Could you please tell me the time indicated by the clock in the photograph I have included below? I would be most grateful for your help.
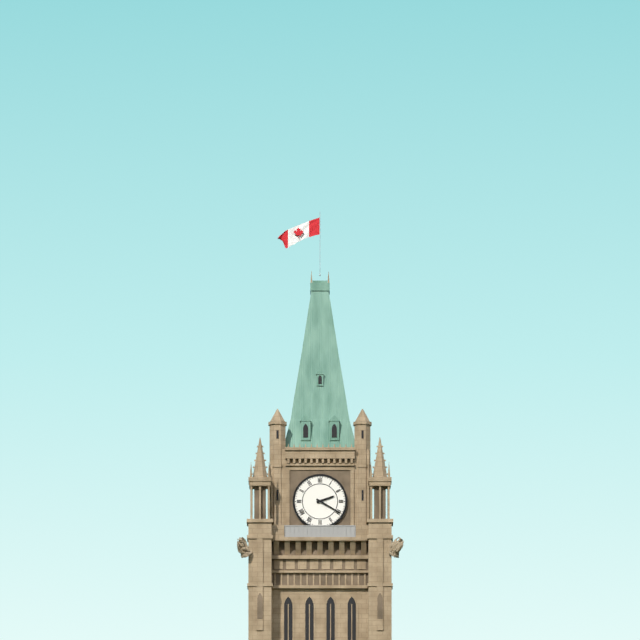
2:20
